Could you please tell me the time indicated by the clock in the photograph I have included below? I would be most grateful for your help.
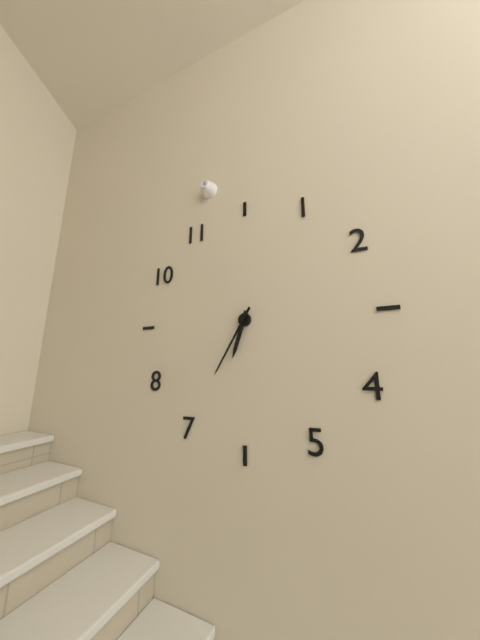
6:35
